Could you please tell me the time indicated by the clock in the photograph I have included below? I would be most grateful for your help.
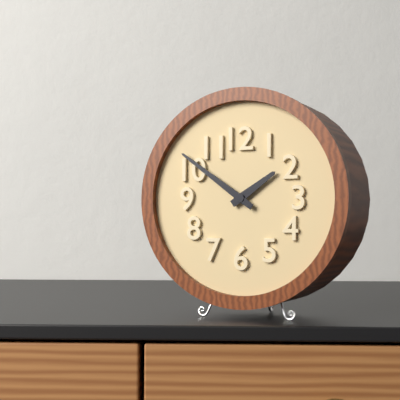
1:51
